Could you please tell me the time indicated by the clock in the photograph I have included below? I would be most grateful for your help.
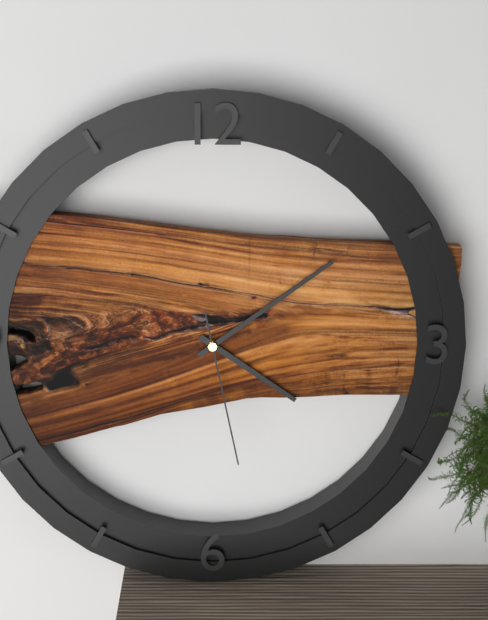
4:09:28
